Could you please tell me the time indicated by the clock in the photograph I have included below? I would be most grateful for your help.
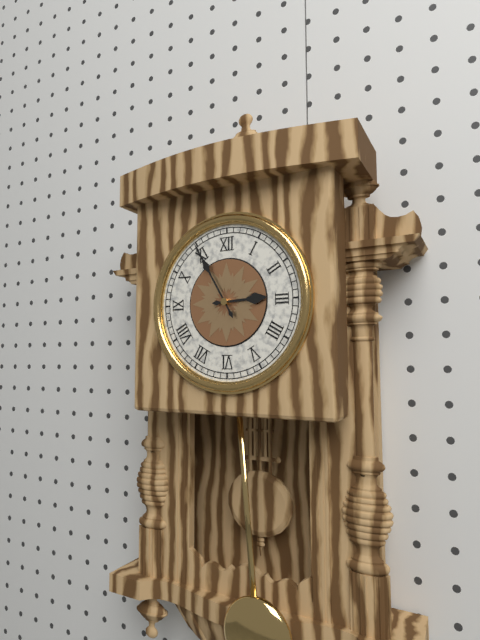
2:55
